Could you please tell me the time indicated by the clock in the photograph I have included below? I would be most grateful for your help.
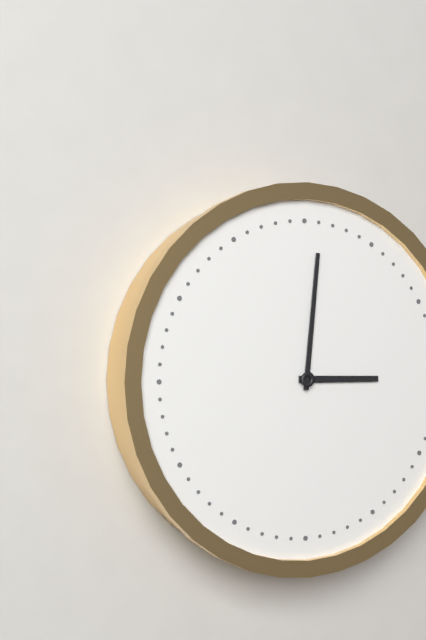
3:01
